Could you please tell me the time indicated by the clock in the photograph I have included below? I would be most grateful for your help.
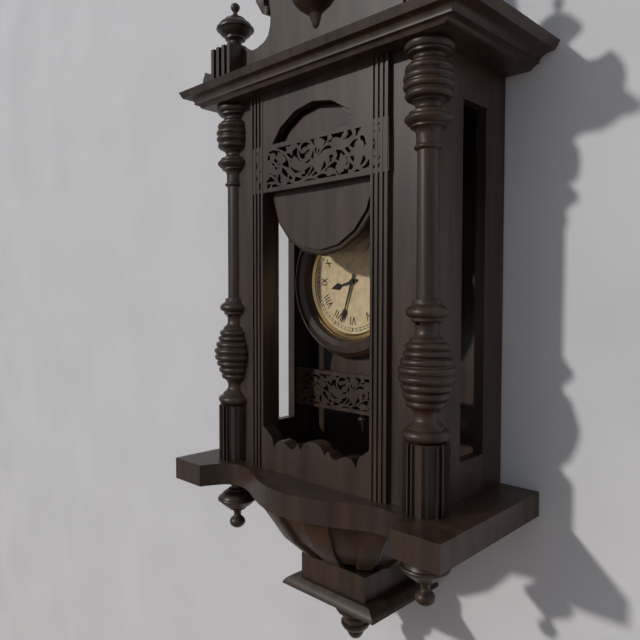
8:33
